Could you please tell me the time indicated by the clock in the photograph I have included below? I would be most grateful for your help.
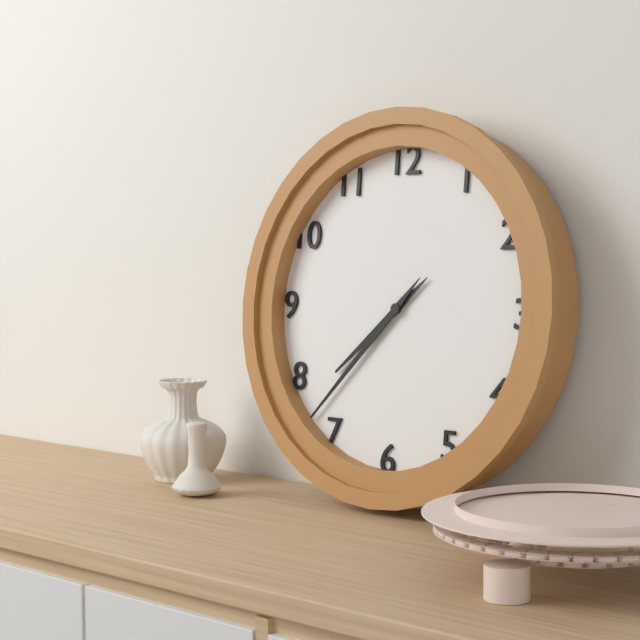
7:37
